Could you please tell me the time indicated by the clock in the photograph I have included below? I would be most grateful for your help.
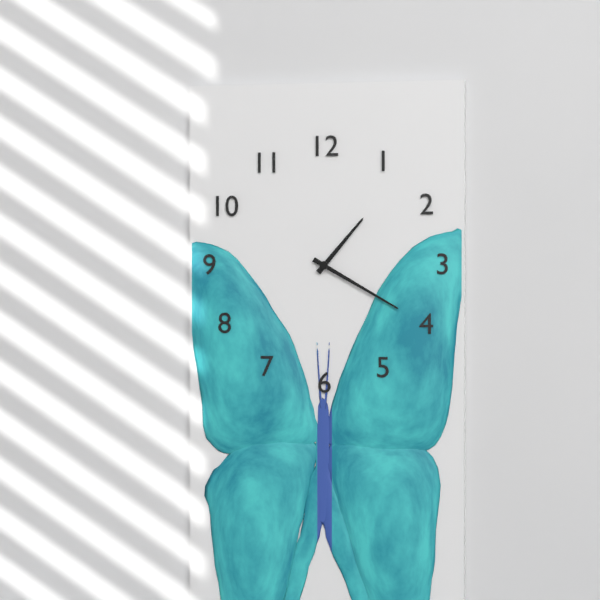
1:20
